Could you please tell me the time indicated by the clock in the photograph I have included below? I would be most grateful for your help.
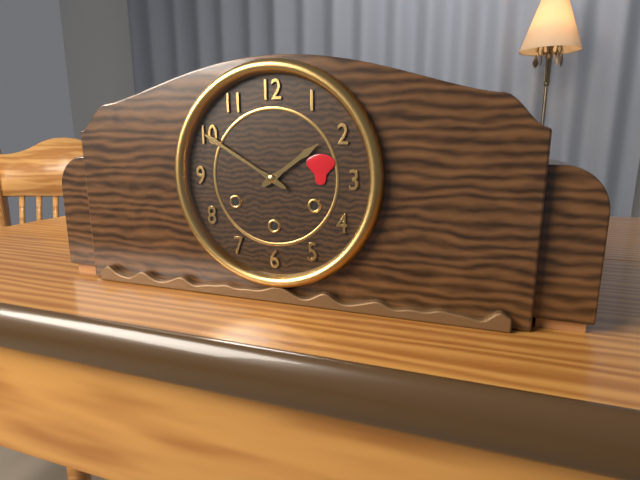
1:50
